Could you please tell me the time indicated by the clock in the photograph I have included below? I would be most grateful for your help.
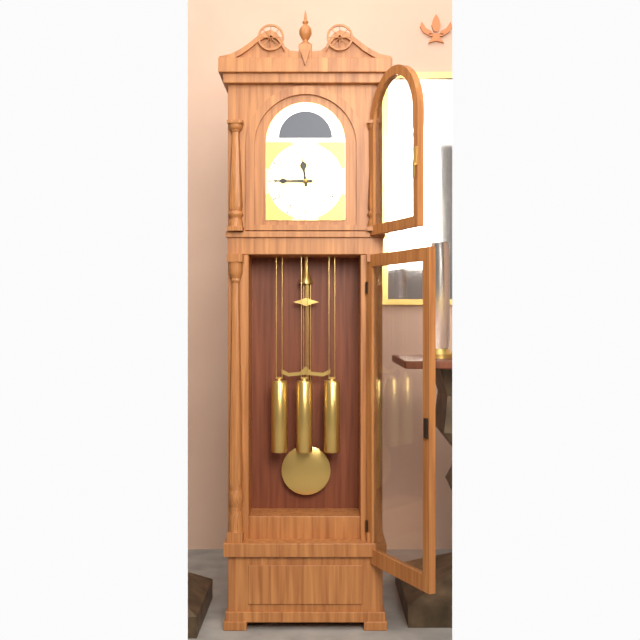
11:45
